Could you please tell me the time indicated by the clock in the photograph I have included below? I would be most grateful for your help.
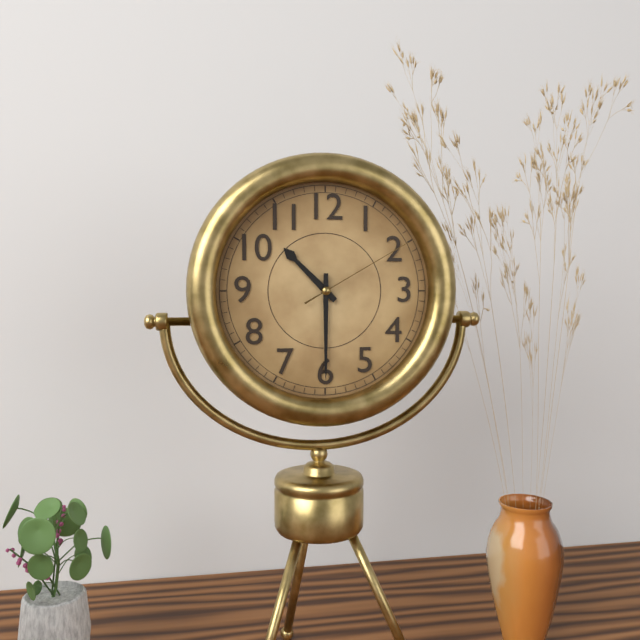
10:30:10
